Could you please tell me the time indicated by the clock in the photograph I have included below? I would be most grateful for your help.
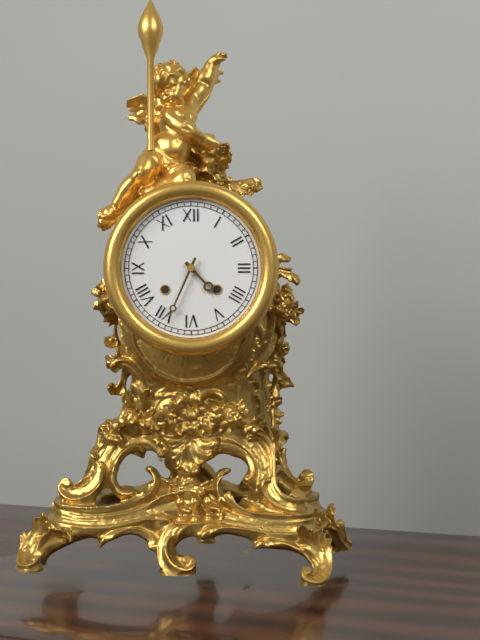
4:34
